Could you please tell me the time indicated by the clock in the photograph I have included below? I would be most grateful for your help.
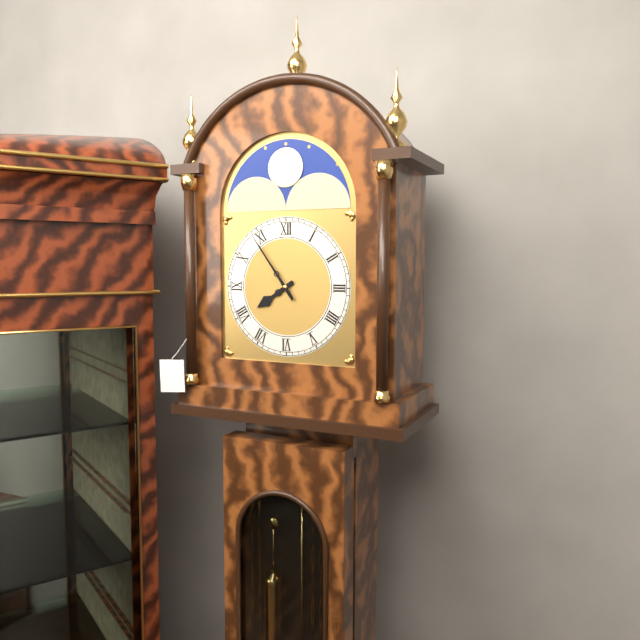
7:54
